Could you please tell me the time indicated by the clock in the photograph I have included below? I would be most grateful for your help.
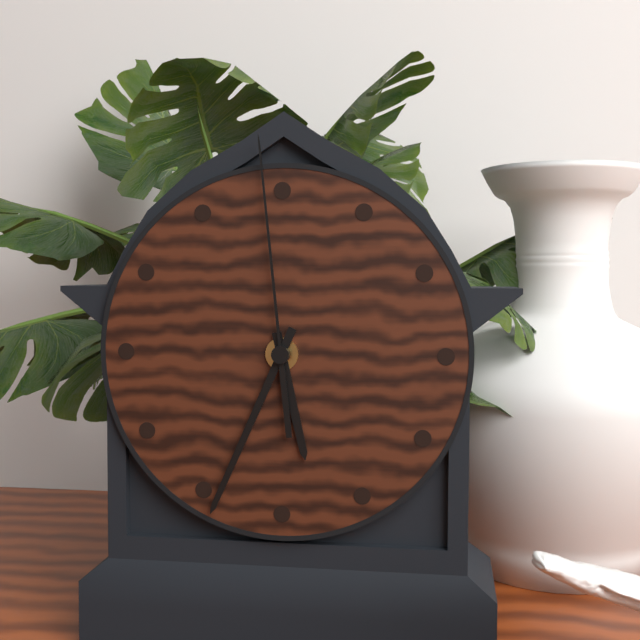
5:34:59
